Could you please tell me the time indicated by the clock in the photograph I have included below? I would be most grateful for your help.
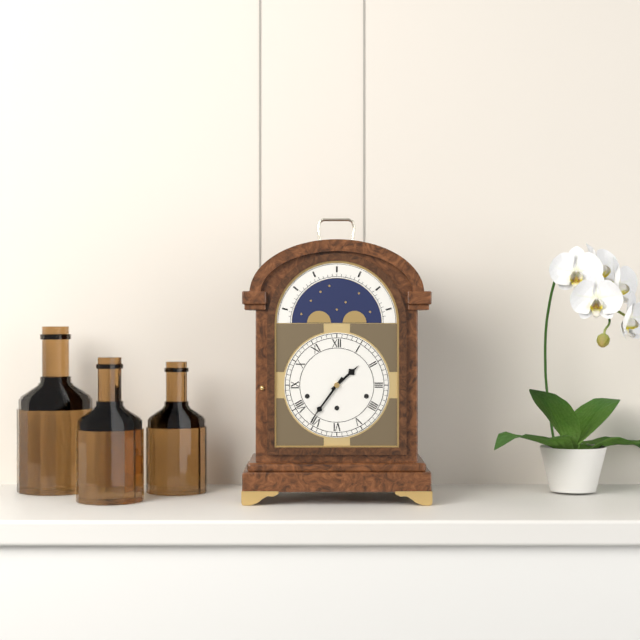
1:36
